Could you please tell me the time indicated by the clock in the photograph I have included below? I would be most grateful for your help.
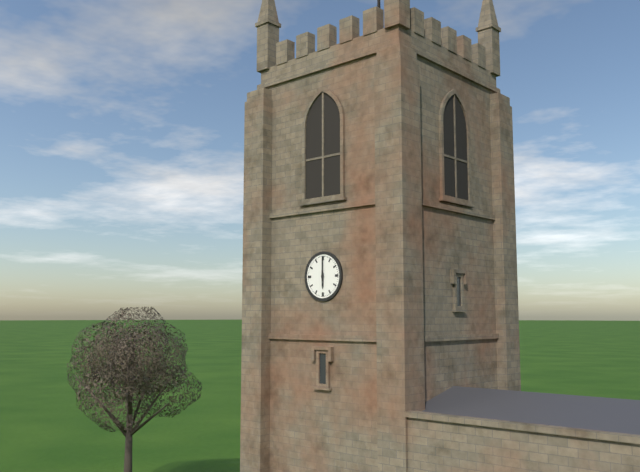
6:00
